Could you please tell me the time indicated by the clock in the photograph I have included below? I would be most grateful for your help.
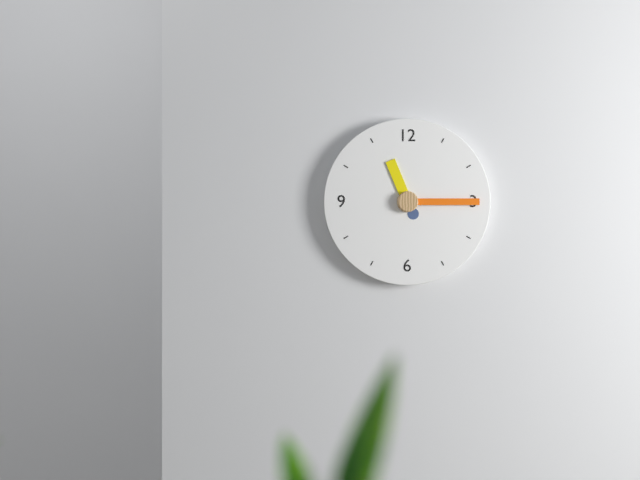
11:15
